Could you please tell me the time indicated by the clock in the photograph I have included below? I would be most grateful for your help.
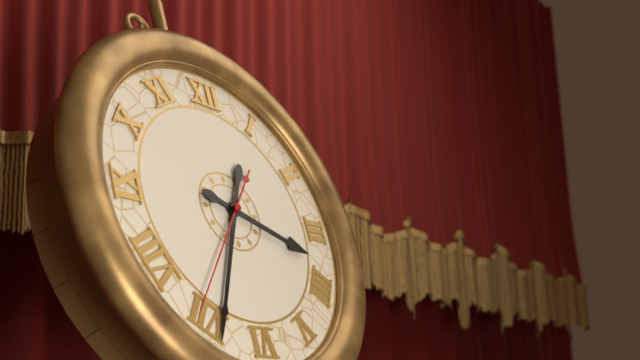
3:34:36
